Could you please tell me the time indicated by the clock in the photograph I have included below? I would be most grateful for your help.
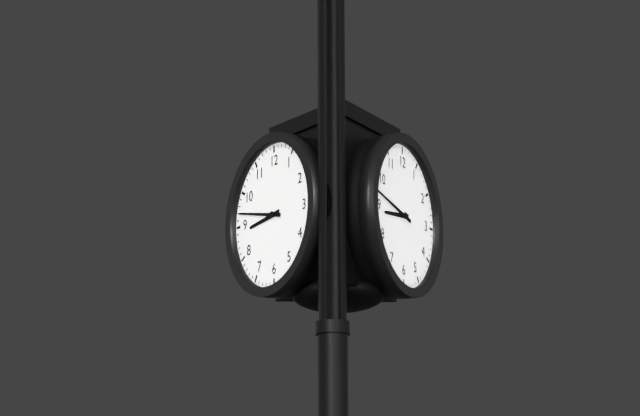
8:47
